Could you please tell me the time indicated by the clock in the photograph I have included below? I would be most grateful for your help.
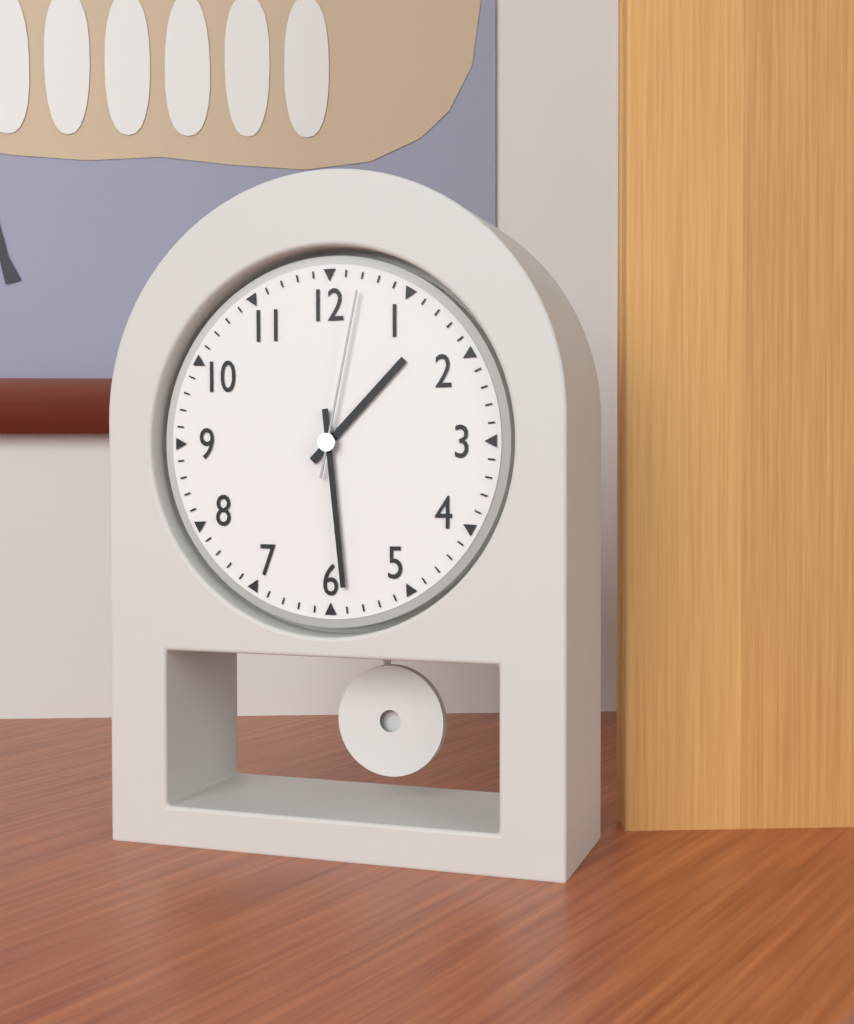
1:29:02
